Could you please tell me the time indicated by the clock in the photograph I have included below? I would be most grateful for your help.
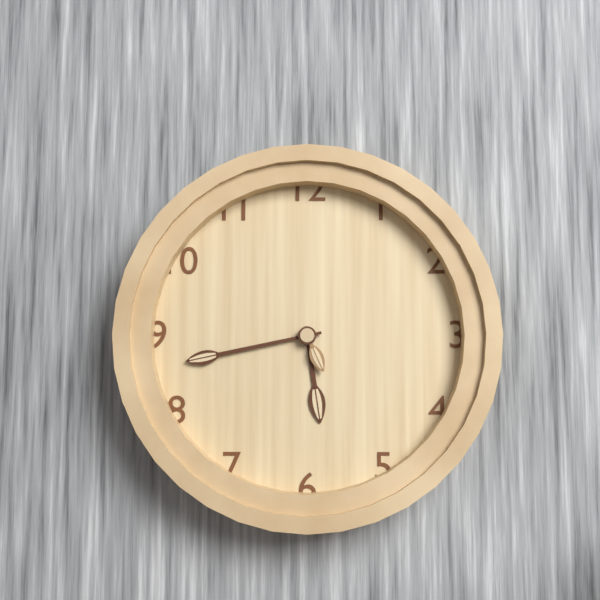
5:43:26
